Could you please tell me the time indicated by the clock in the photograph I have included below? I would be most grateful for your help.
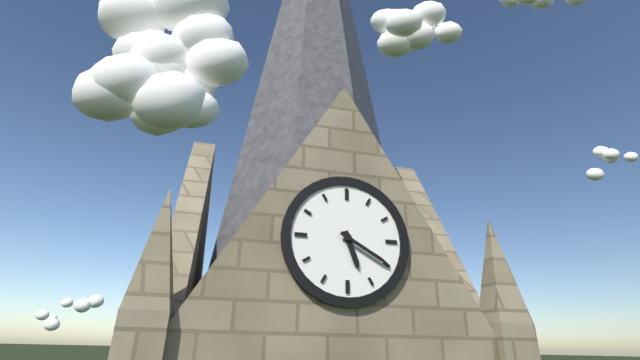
5:20
